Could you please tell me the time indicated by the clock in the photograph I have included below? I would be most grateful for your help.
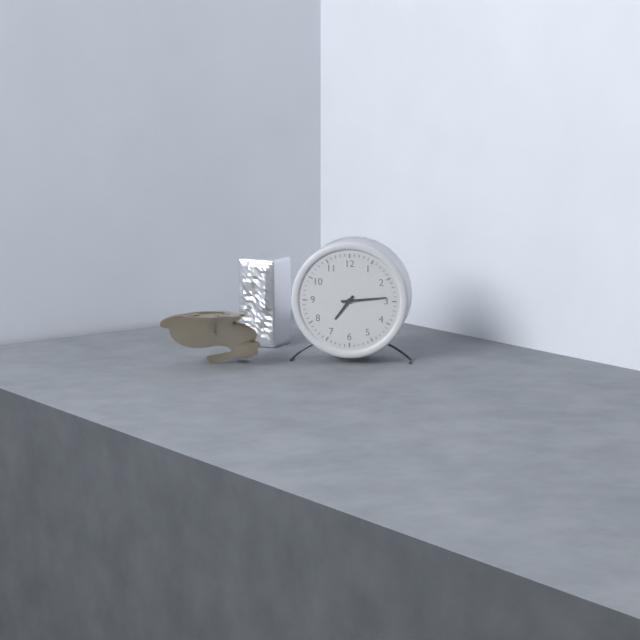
7:14
